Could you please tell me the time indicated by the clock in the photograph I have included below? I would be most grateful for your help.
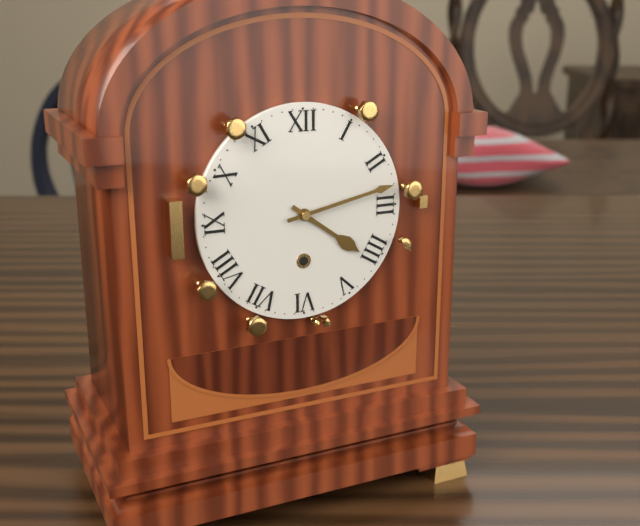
4:13
